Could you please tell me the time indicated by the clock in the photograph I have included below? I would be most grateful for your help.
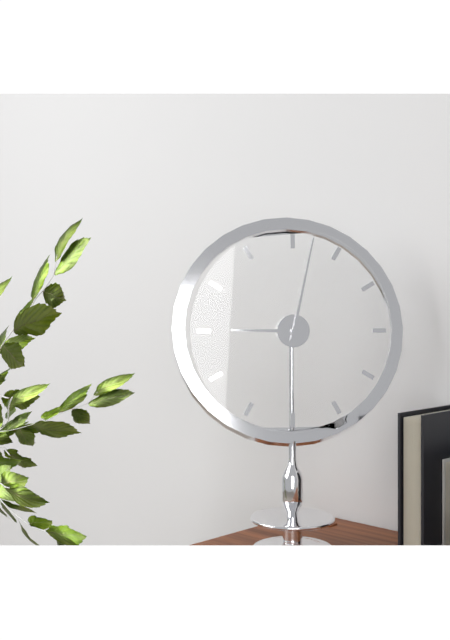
9:02
